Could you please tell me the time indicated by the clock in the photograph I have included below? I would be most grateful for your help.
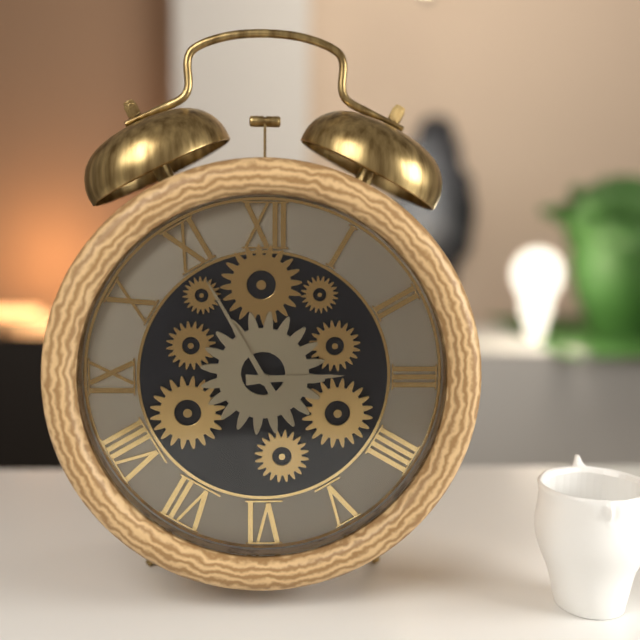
2:55
